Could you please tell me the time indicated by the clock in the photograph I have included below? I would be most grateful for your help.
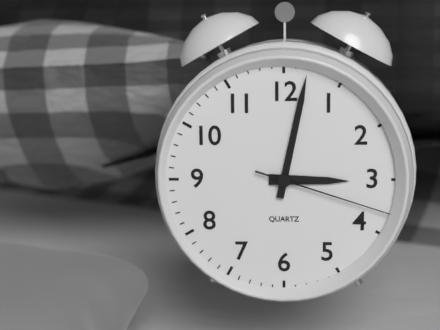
3:02:18
